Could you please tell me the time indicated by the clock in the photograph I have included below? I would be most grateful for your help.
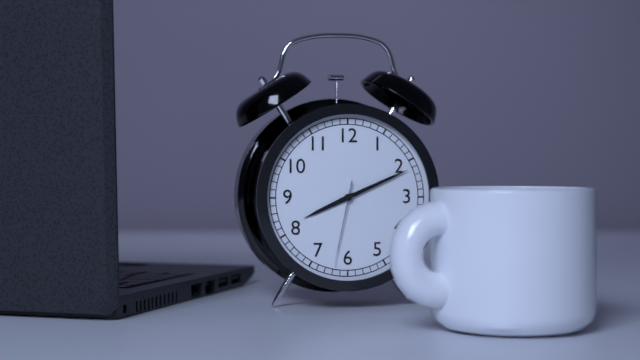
8:11:32
